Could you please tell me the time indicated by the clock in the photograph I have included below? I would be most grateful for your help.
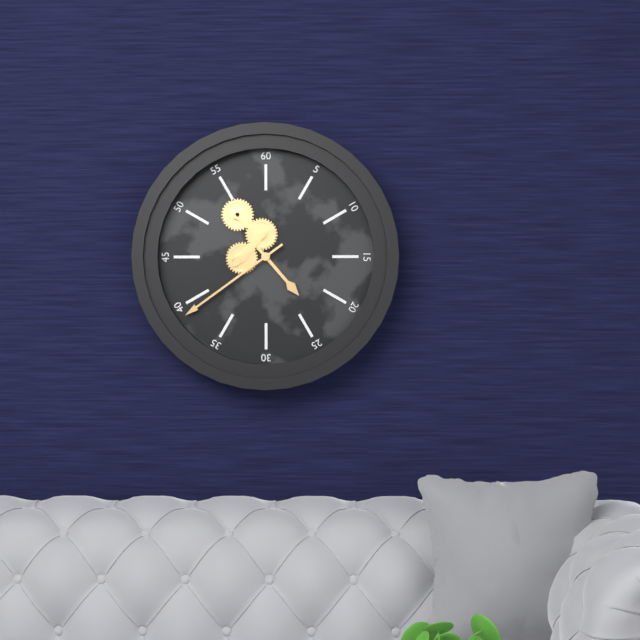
4:39
